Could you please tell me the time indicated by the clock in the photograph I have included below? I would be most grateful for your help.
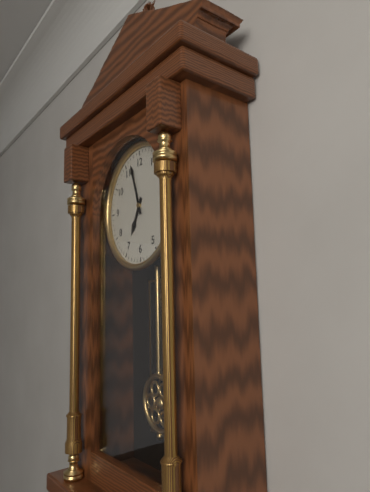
6:57
